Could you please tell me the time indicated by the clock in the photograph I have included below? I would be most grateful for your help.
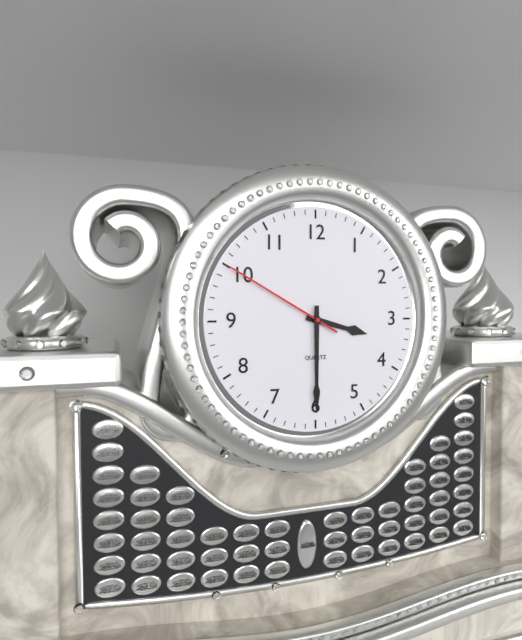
3:30:50
